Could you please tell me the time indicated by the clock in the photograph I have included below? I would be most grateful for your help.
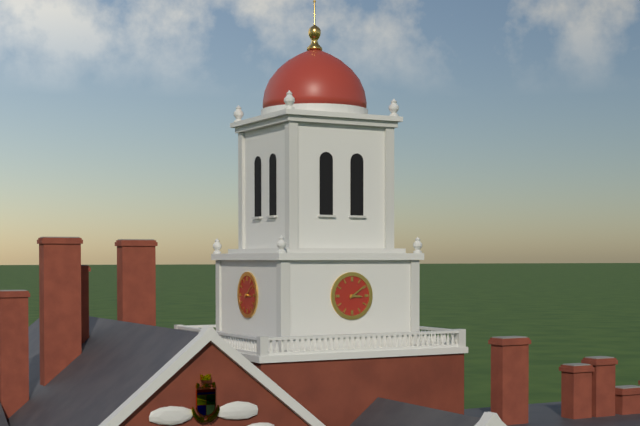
3:09
